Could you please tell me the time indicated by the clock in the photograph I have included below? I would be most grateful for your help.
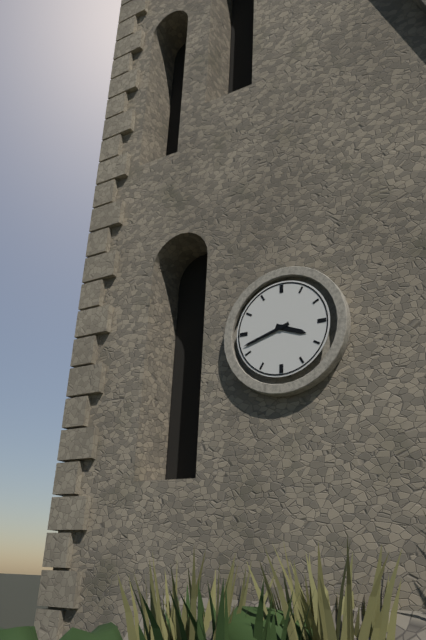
3:42
